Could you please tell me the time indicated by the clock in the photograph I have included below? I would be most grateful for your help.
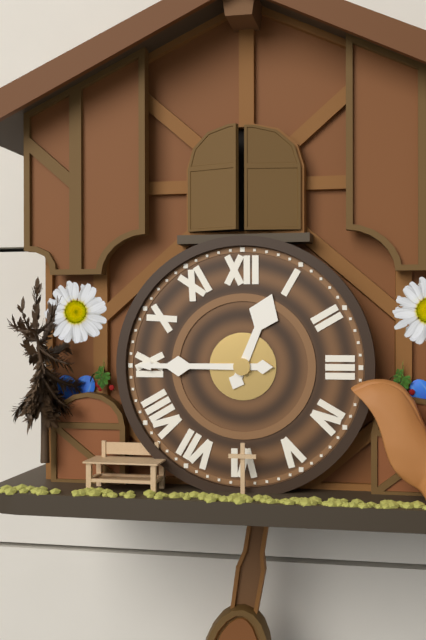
12:45
